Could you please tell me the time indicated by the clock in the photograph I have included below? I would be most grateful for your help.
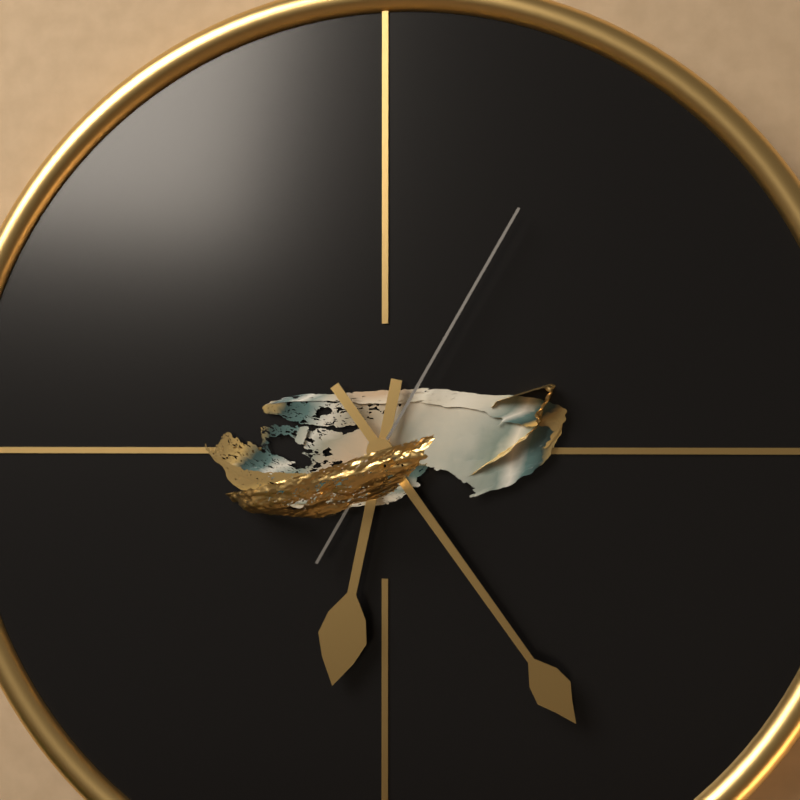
6:24:05
